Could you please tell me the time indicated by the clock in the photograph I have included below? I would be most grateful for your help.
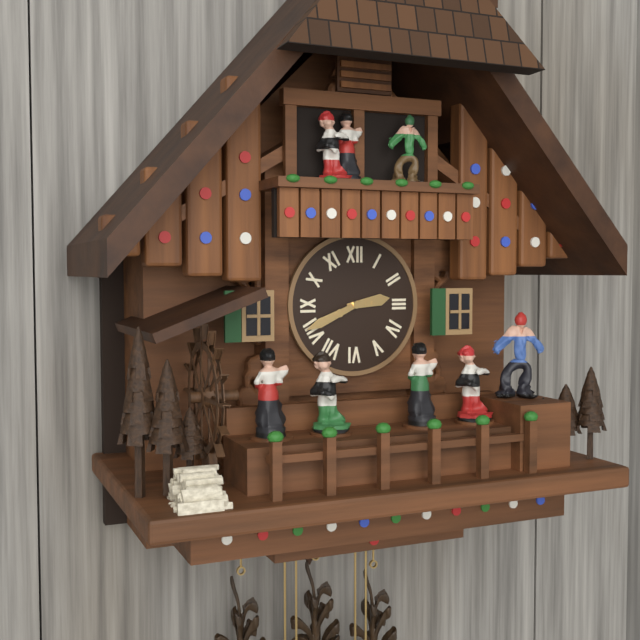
2:41
